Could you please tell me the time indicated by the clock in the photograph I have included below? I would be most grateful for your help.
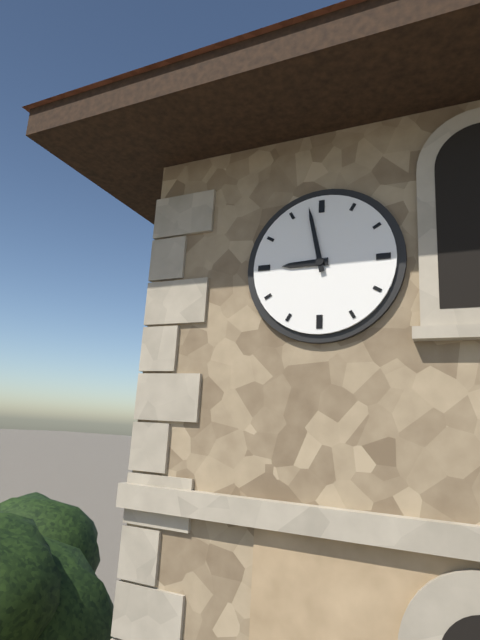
8:58
